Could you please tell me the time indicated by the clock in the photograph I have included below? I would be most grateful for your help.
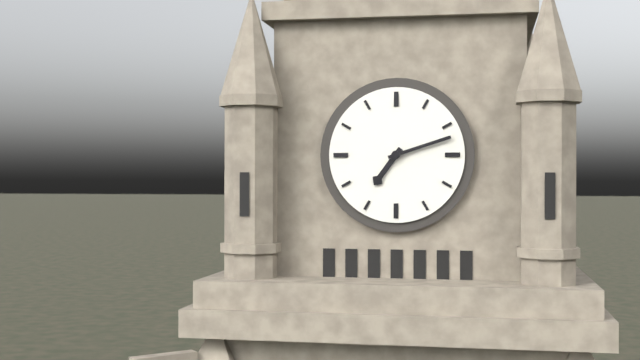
7:12
